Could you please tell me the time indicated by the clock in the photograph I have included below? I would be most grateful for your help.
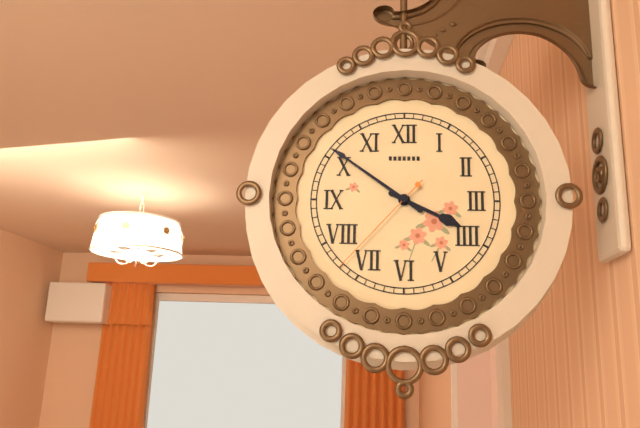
3:51:37
